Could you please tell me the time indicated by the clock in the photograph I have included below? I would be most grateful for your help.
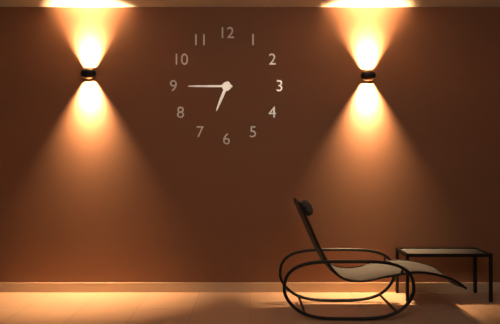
6:45
